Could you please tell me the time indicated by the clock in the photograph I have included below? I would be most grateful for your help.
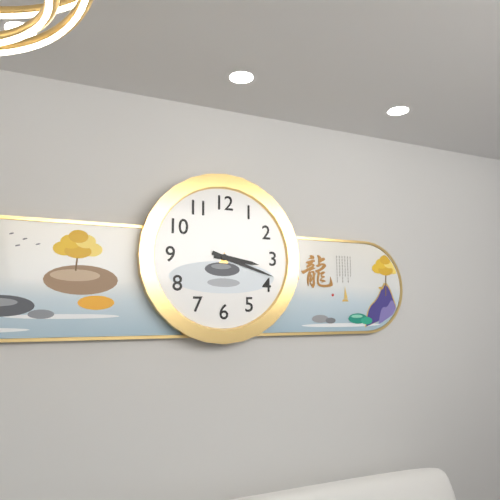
3:18
